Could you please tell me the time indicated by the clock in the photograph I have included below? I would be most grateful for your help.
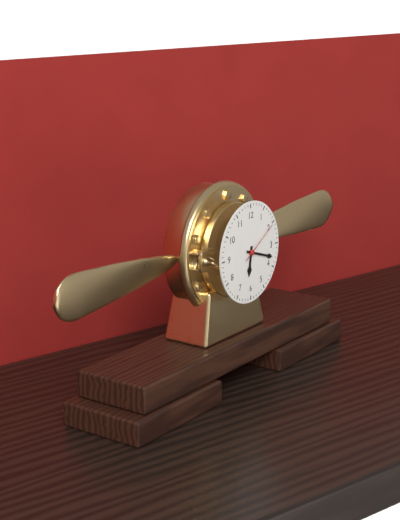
6:18
